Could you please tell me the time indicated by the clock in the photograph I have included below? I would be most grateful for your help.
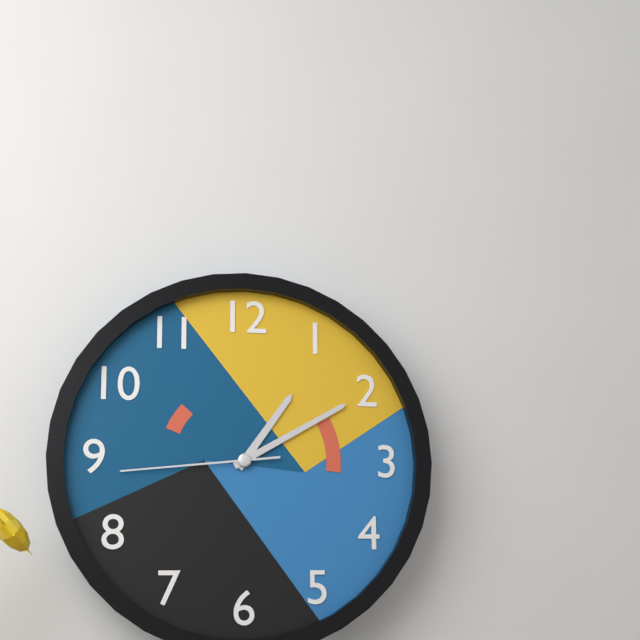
1:10:44
